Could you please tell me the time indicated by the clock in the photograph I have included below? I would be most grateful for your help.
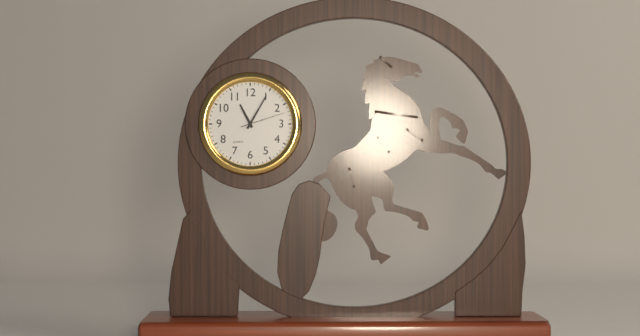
11:05
